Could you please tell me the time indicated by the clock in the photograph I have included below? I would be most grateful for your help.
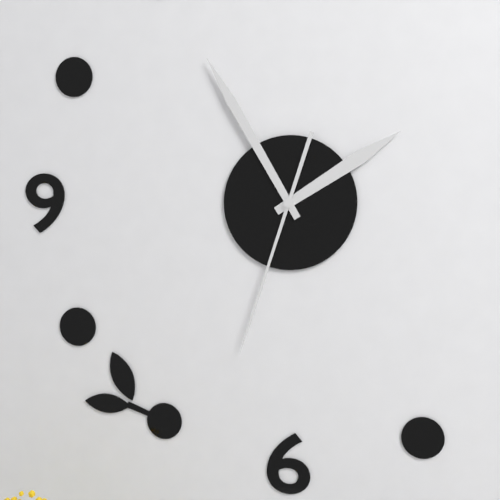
1:55:33
